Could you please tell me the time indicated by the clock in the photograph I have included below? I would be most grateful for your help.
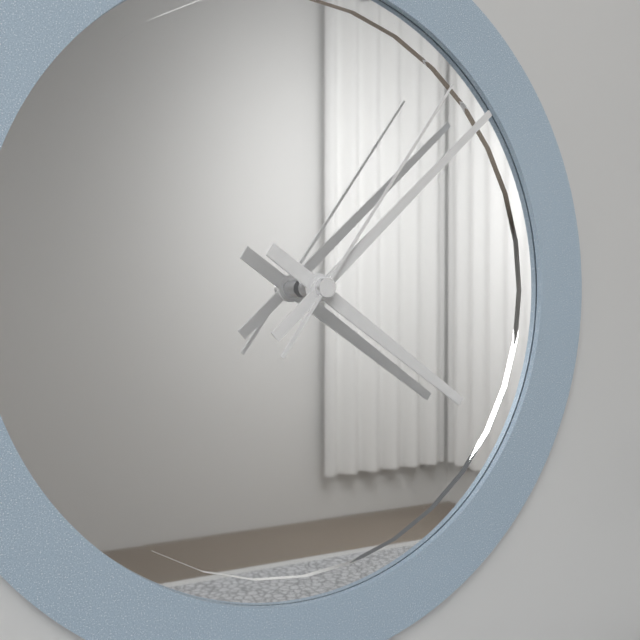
4:08:06
